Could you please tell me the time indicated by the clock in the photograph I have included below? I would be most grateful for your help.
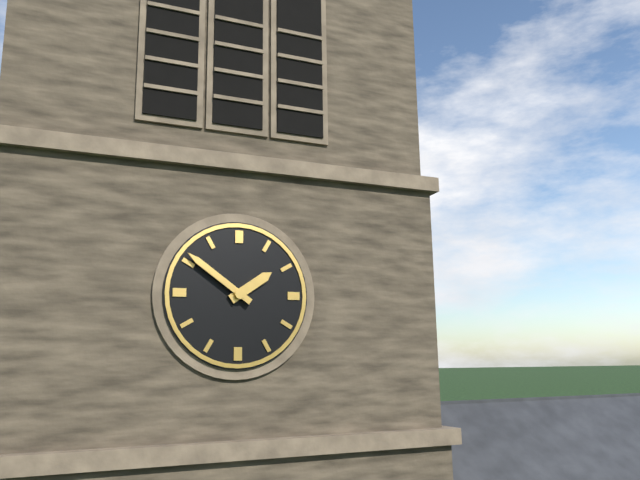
1:51
